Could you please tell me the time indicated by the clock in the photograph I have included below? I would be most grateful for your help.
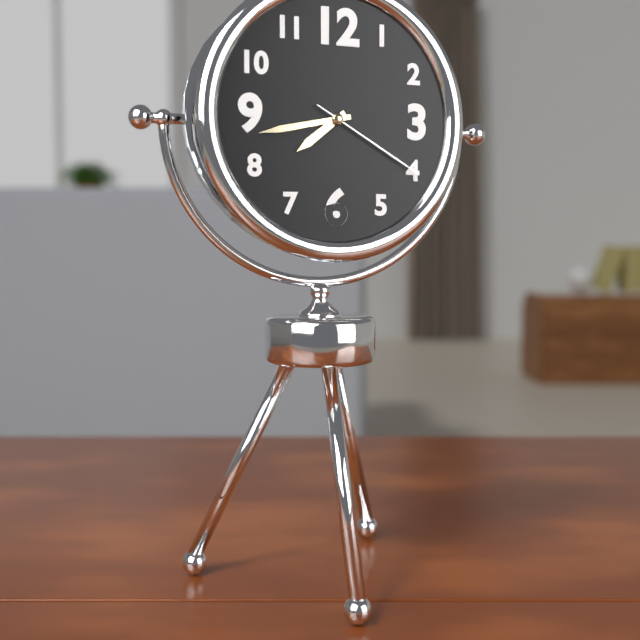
7:43:20
